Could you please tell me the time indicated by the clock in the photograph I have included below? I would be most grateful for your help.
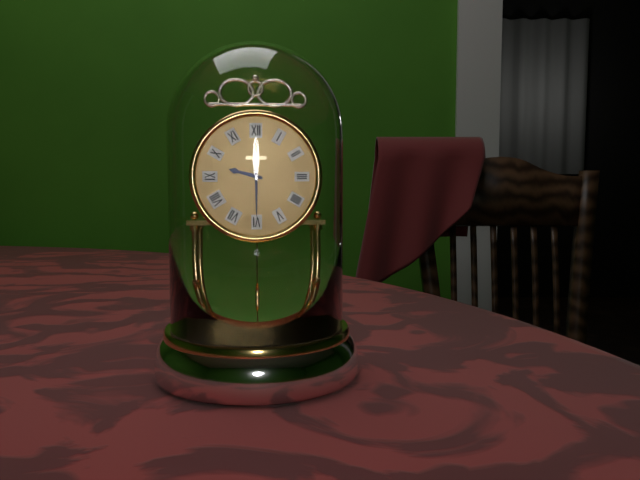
9:30
